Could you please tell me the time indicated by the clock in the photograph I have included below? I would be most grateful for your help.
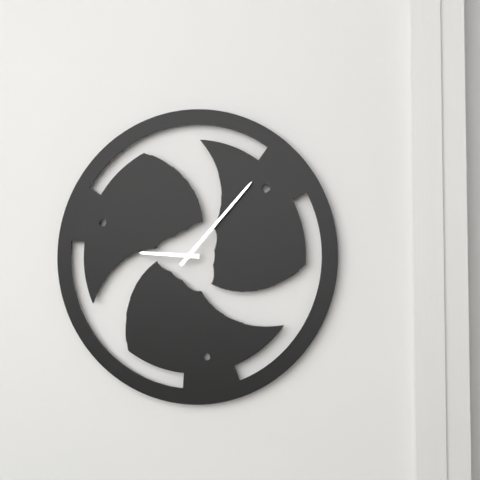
9:07
